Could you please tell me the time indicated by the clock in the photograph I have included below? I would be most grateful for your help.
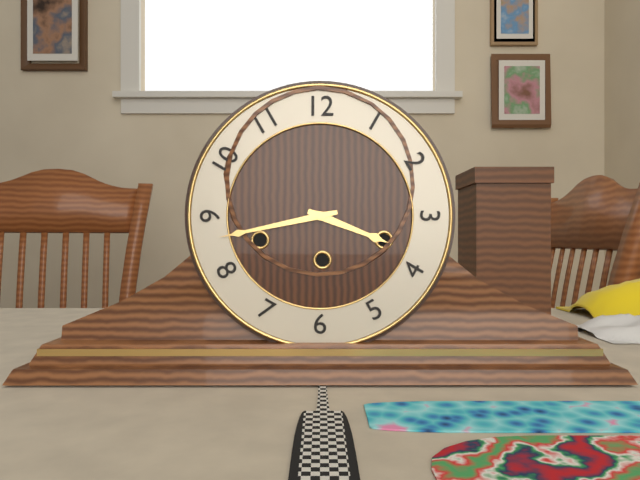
3:43
